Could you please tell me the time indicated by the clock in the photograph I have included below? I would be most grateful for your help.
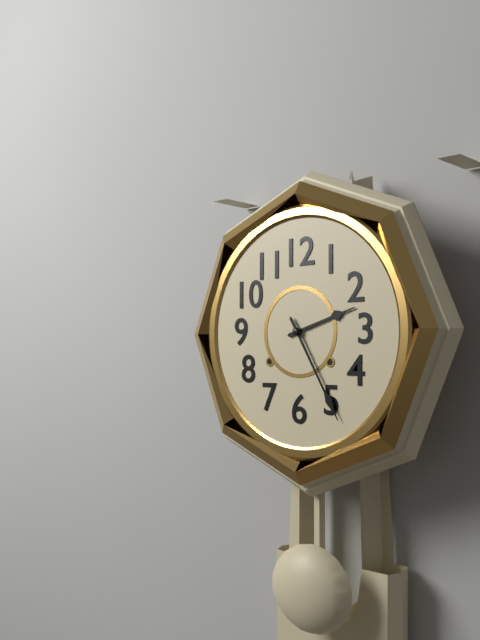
2:25
